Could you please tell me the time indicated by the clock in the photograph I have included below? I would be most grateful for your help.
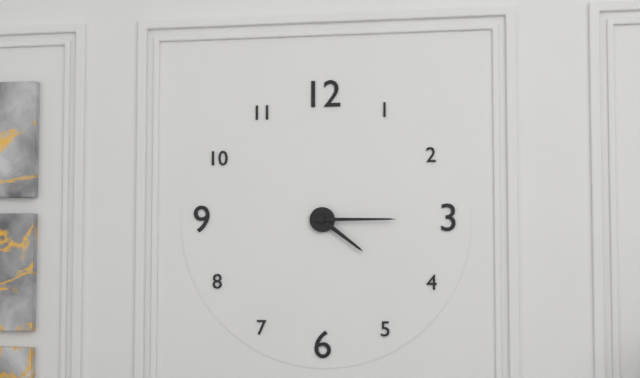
4:15
